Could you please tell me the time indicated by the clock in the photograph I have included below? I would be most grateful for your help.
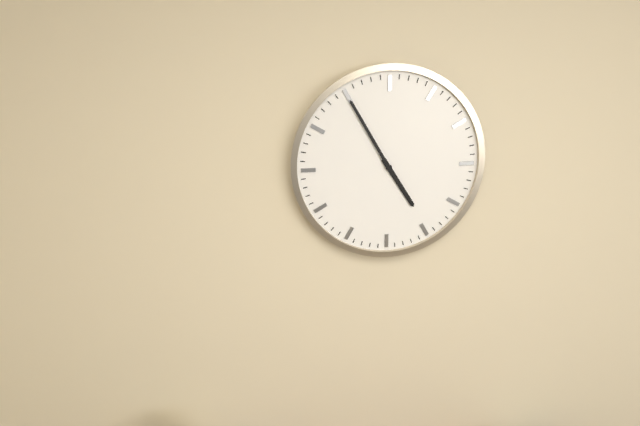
4:55
